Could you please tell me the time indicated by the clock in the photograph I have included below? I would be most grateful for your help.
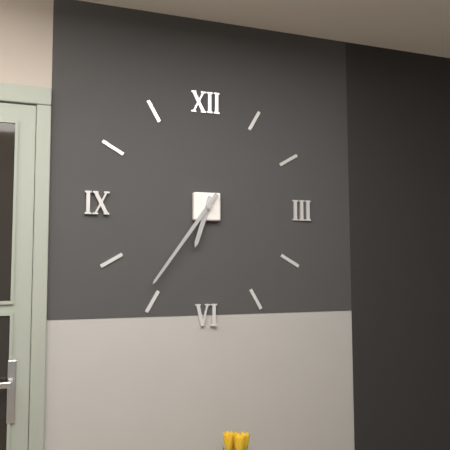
6:36
